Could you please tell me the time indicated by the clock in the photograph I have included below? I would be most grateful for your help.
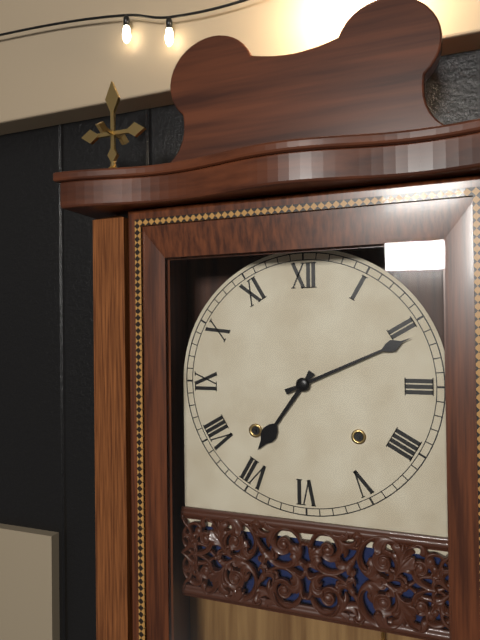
7:11
